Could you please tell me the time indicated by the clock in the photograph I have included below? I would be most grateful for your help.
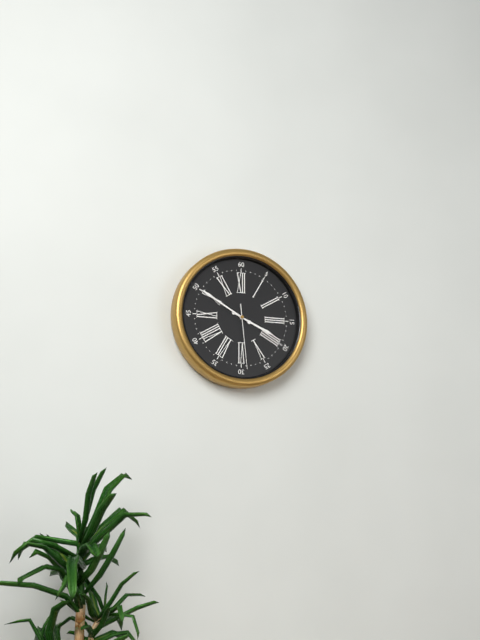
3:50:29
